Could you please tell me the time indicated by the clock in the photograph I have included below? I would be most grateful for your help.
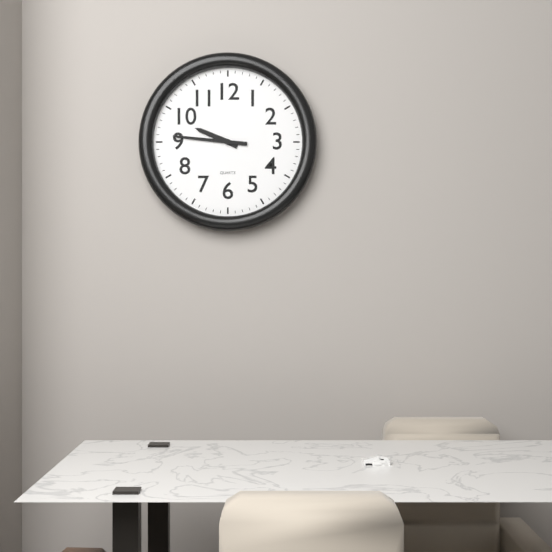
9:46
